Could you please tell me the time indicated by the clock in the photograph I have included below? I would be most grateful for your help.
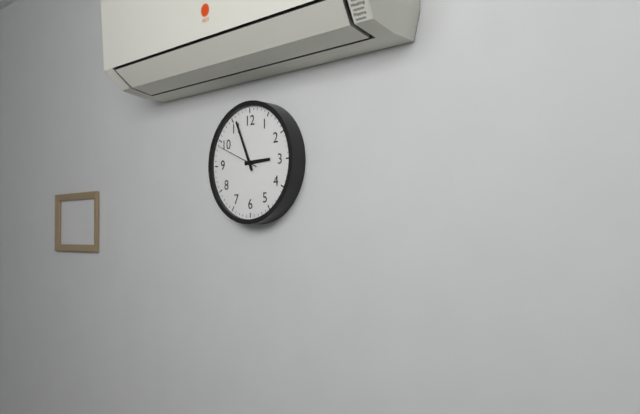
2:56:49
